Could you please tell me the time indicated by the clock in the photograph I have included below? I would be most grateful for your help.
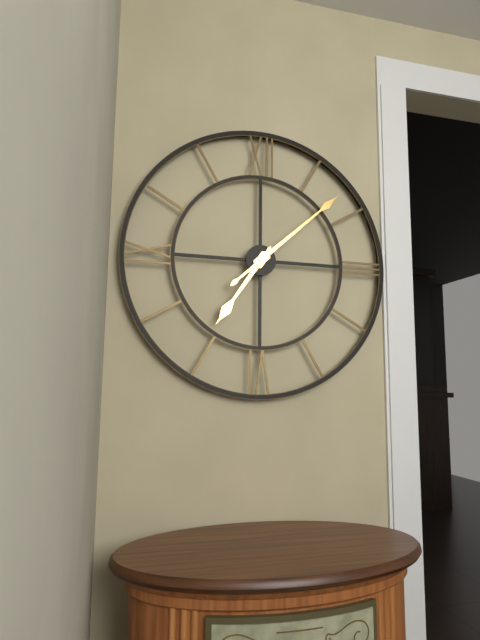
7:08
